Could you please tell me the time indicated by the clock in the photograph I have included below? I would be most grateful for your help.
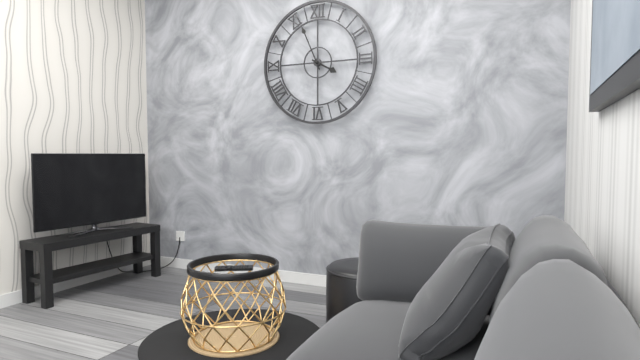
3:56
